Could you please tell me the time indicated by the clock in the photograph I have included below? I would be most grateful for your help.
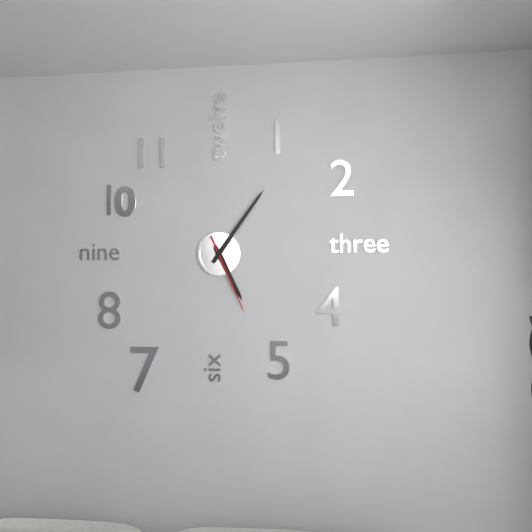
5:06:26
